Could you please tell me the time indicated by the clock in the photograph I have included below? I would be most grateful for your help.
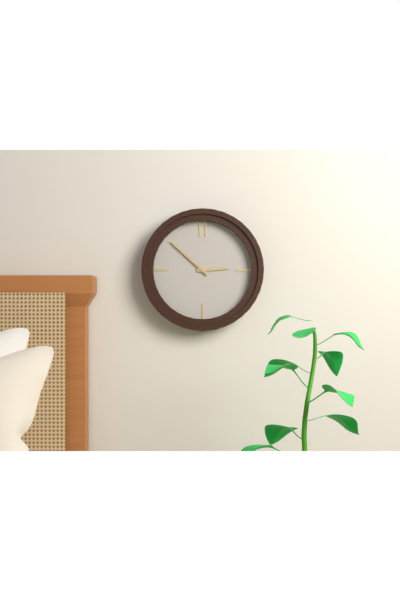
2:52
